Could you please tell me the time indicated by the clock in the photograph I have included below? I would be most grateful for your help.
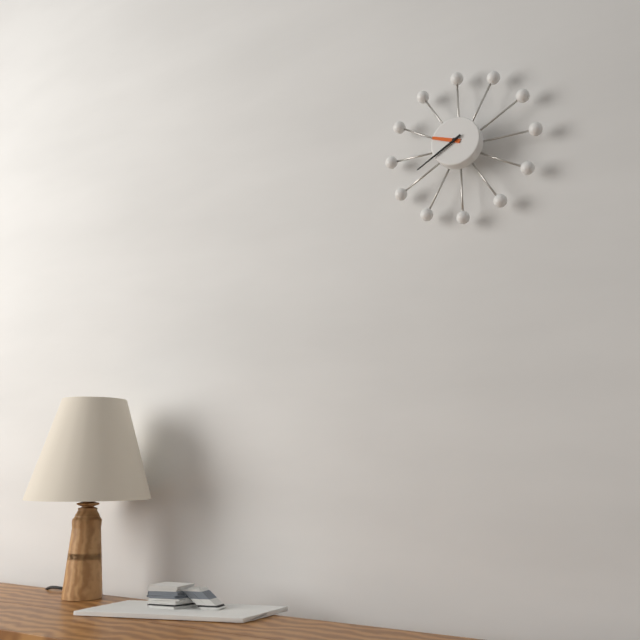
9:40
